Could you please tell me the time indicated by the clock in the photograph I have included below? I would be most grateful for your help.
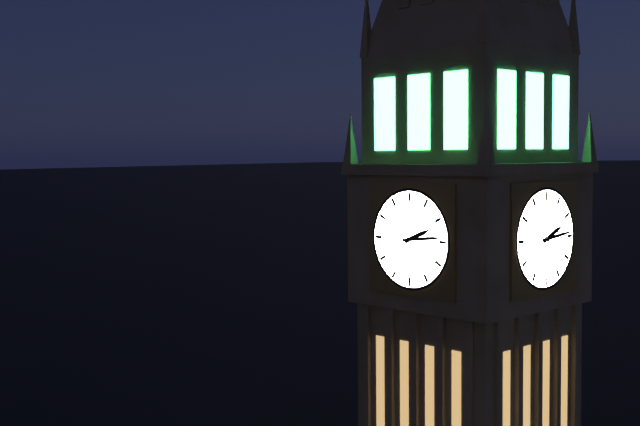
2:14
